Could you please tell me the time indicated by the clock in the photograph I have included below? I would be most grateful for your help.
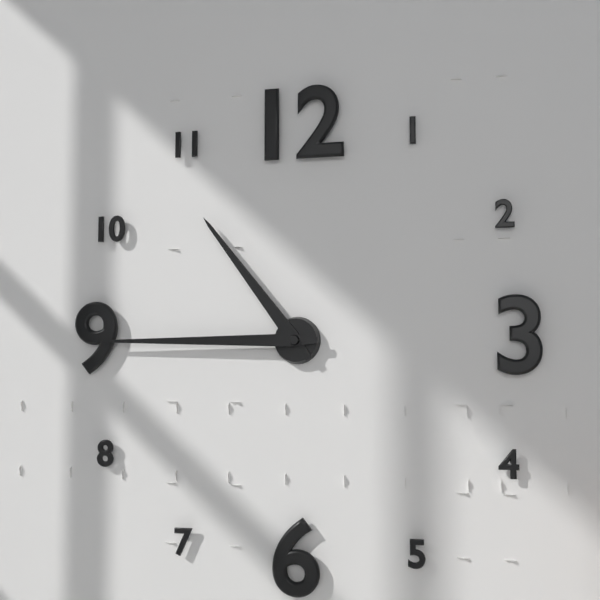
10:45
